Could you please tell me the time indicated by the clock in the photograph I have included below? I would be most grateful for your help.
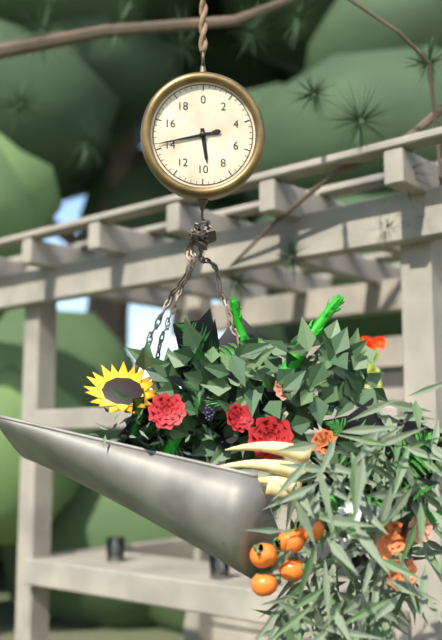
5:43
